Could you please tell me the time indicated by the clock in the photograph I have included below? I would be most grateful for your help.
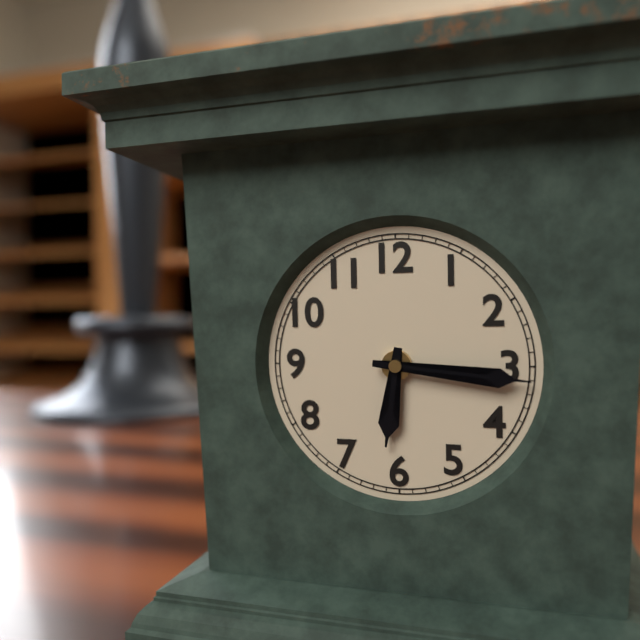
6:16
